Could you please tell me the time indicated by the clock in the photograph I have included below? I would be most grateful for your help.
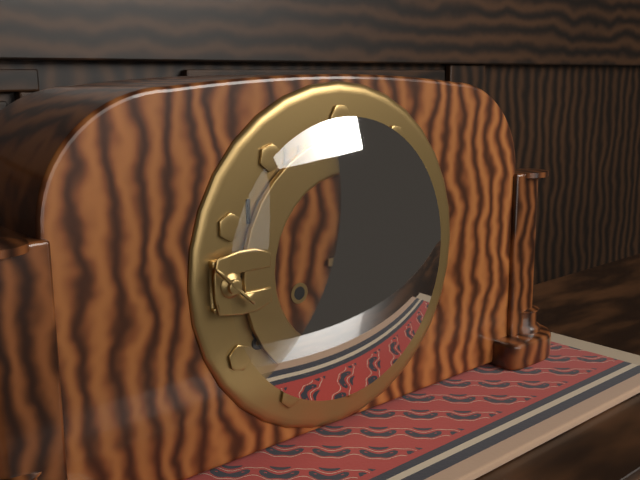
3:01
